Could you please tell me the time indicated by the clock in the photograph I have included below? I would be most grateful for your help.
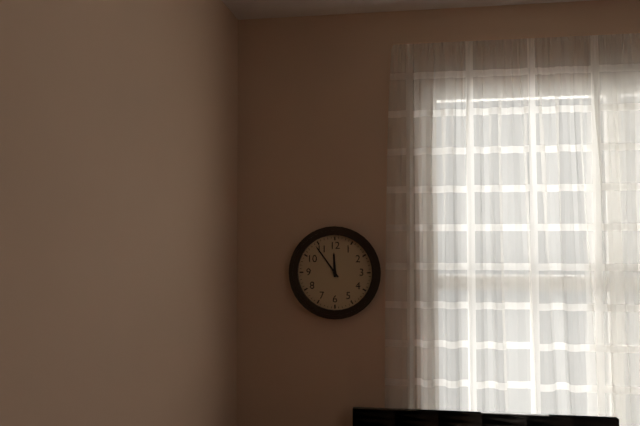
11:54
